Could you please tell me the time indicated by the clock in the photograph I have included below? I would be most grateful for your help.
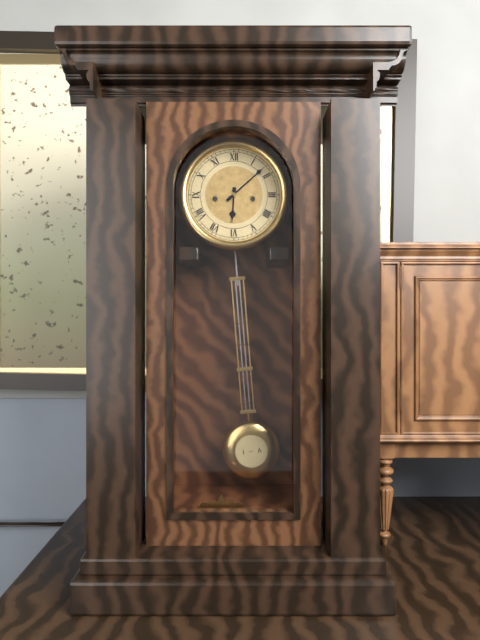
6:08
